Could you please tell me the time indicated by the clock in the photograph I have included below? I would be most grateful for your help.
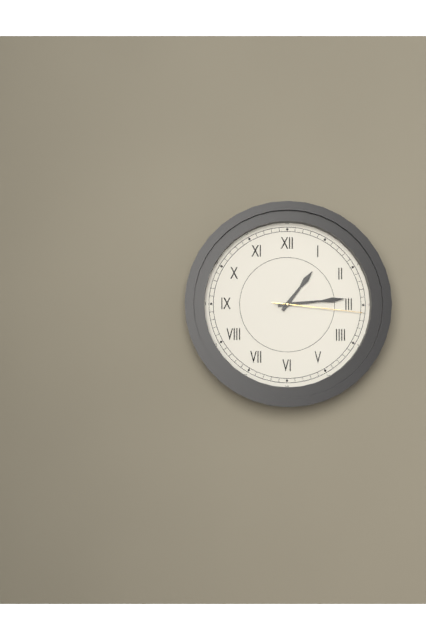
1:14:16
